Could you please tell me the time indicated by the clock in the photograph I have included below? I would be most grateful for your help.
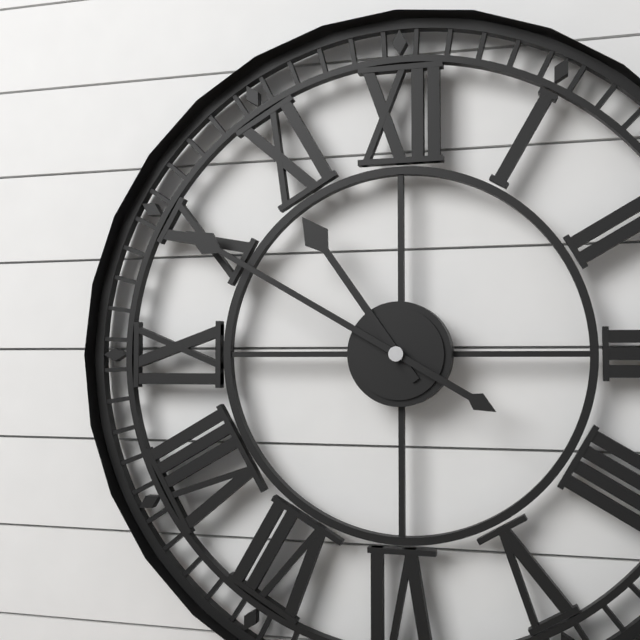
10:50
